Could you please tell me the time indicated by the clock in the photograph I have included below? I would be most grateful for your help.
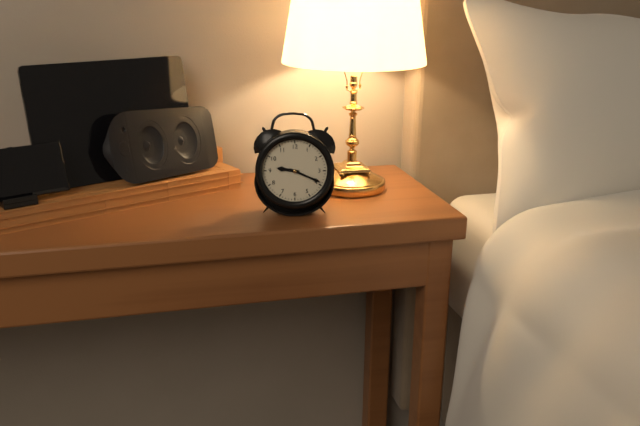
9:19
